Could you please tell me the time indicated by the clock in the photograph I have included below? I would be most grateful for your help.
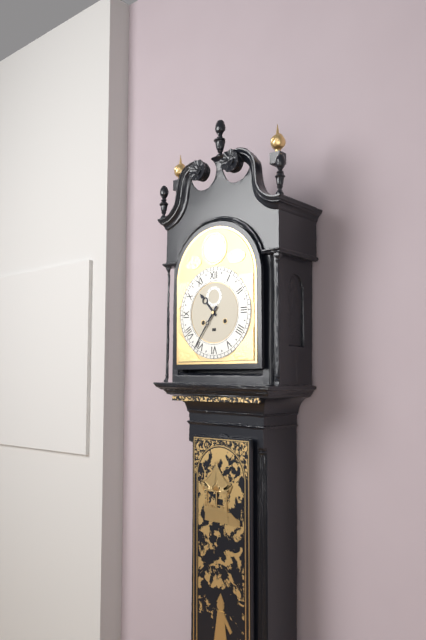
10:36
